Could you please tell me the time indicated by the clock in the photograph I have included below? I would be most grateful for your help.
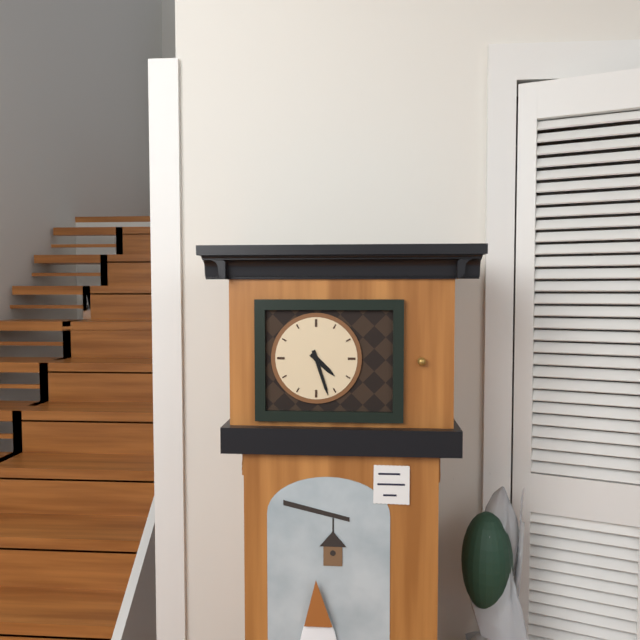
4:27
